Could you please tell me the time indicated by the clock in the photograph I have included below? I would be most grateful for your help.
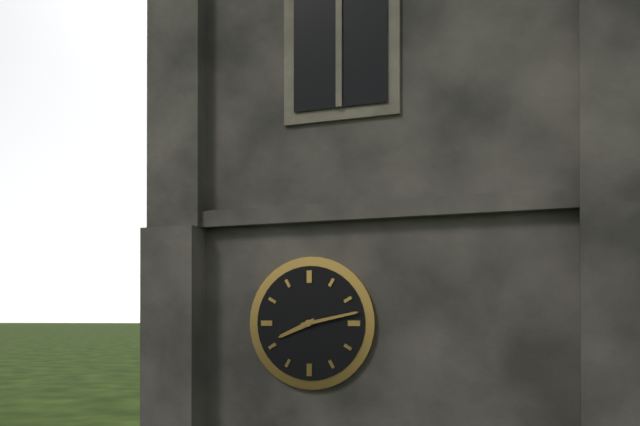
8:13
